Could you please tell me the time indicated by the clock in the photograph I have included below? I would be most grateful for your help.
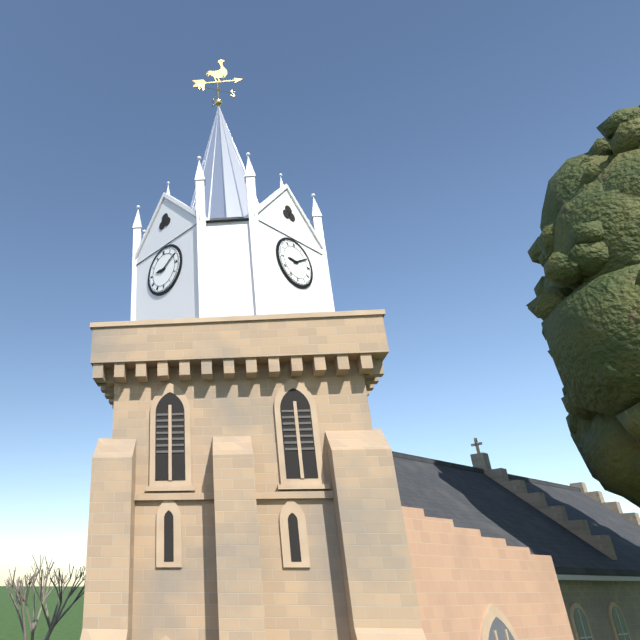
9:10
